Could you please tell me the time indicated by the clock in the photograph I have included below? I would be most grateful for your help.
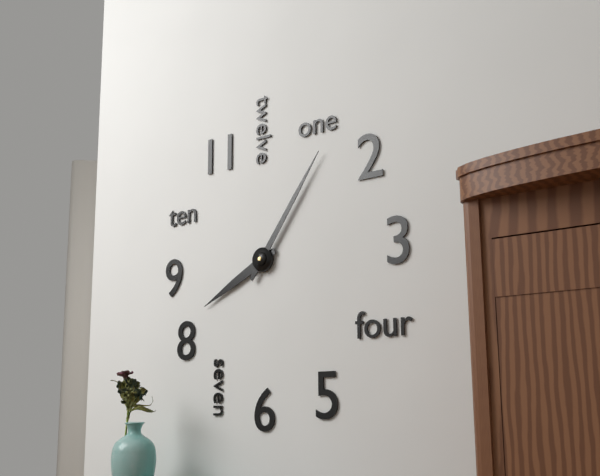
8:06
